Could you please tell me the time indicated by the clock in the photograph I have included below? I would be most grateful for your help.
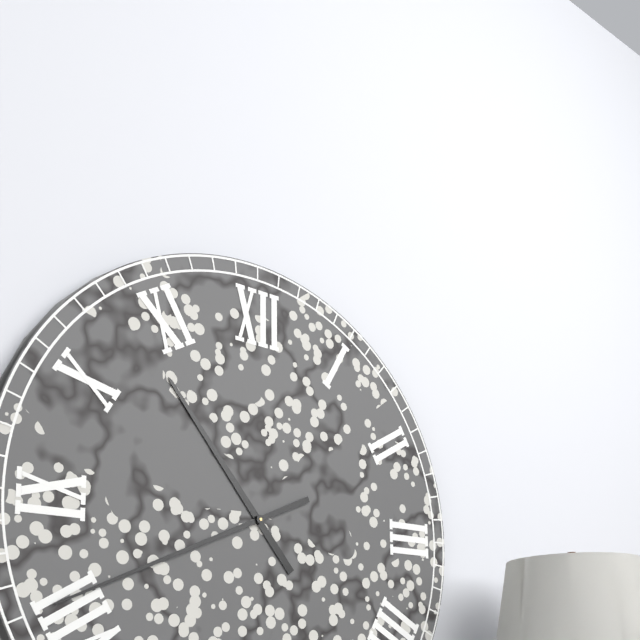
10:41
